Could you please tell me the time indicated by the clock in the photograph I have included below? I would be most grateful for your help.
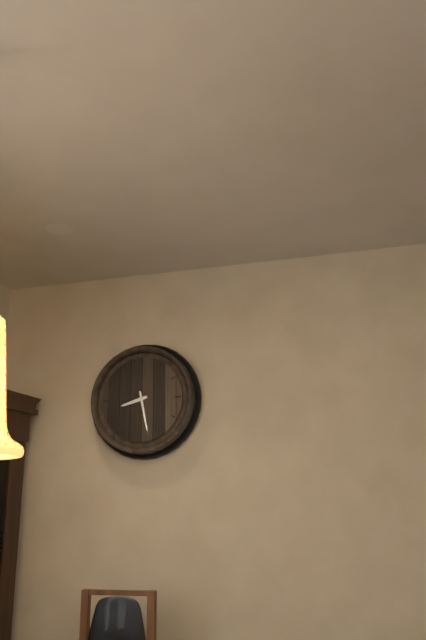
8:28
